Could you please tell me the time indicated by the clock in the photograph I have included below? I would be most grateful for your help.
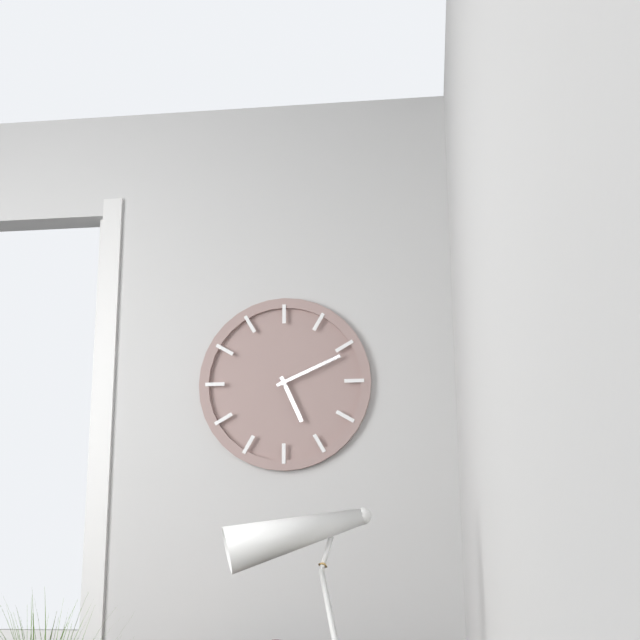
5:11
